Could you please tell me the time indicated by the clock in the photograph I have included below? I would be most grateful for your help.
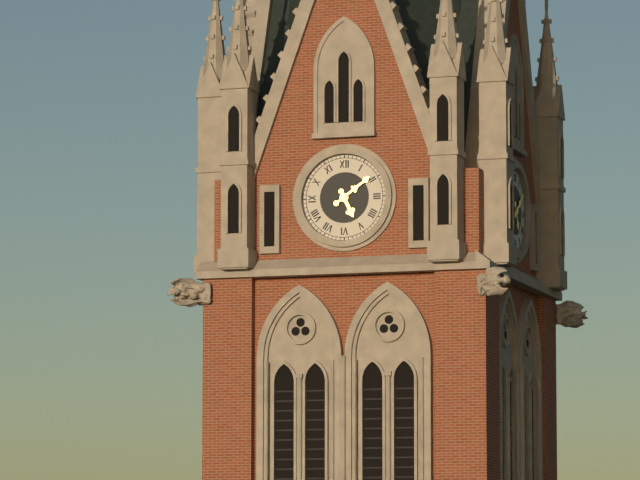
5:09
